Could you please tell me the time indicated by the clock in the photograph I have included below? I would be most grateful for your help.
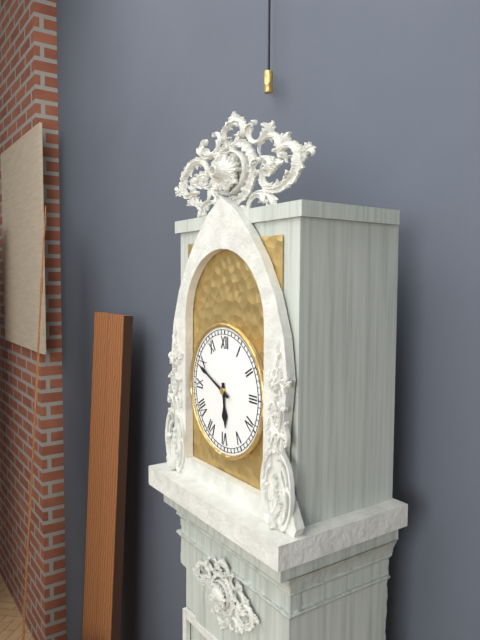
5:49
